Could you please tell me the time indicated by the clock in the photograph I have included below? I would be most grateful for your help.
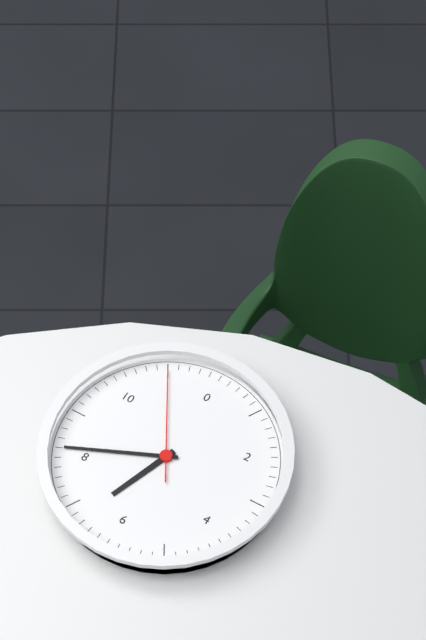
6:41:55
